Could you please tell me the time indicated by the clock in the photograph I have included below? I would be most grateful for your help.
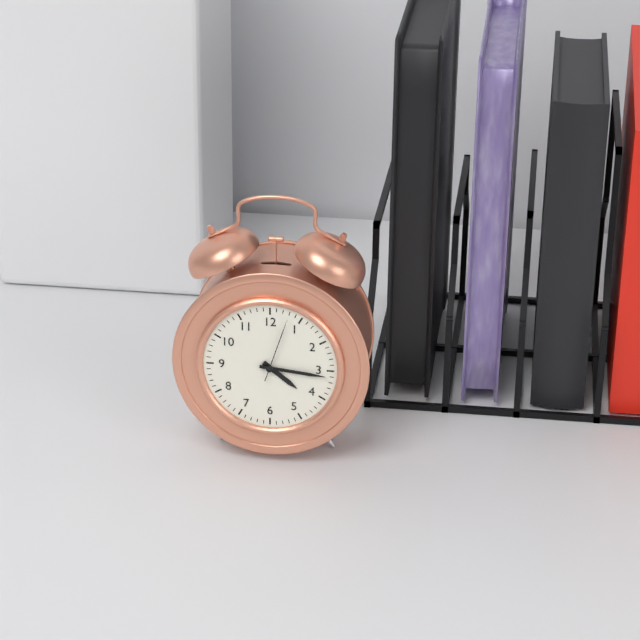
4:16:03
